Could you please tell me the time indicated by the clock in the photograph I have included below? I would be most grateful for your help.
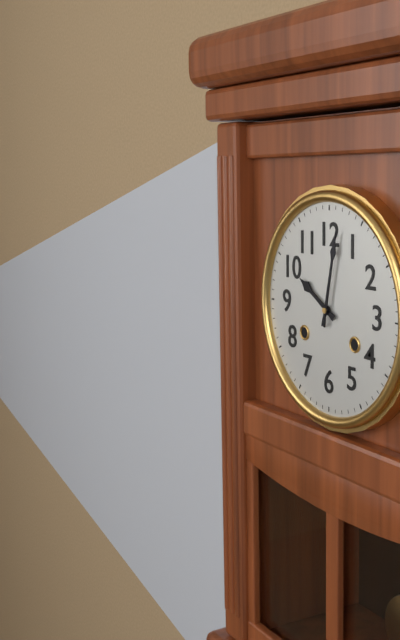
10:02
